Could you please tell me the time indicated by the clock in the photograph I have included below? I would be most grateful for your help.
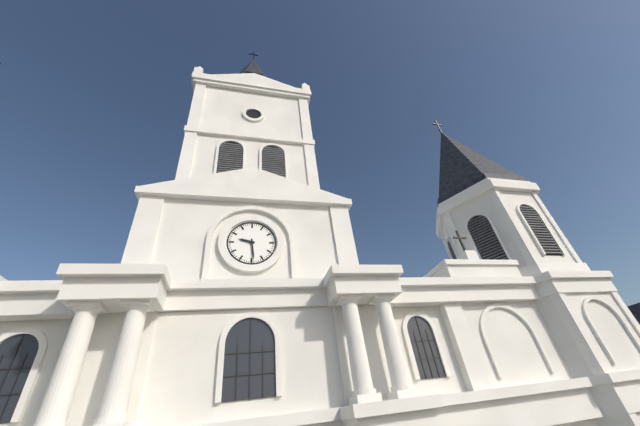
9:29
